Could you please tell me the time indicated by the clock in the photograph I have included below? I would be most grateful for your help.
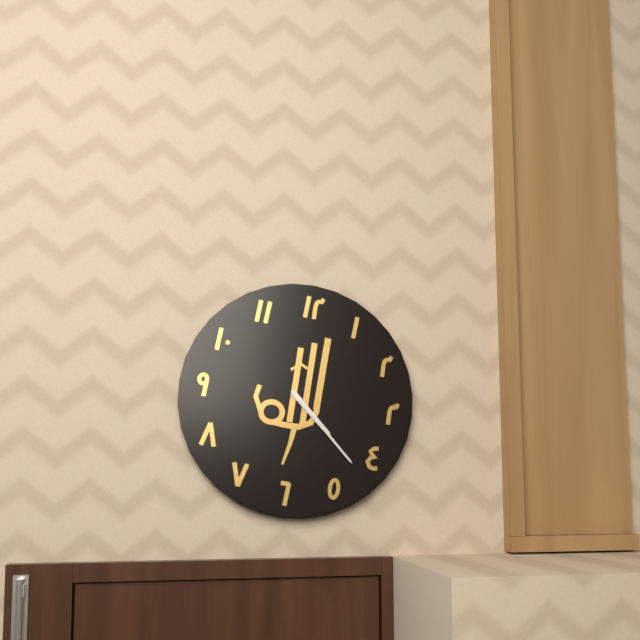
4:22
